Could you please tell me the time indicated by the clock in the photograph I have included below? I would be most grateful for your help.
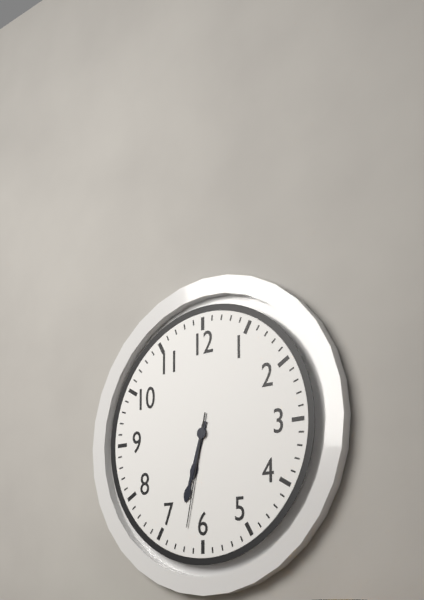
6:33:32
